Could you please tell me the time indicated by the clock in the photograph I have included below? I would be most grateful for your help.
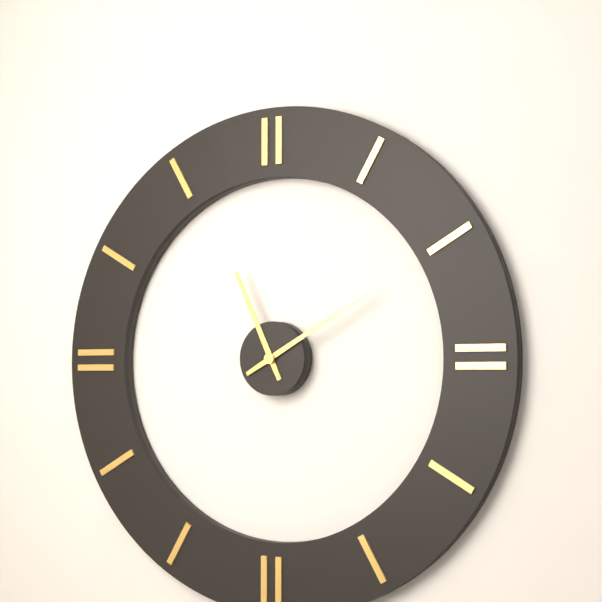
11:10
